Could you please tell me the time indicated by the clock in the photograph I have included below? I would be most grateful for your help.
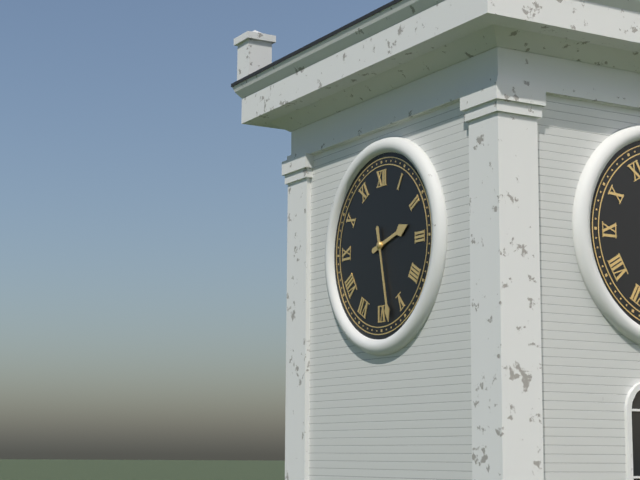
2:28
